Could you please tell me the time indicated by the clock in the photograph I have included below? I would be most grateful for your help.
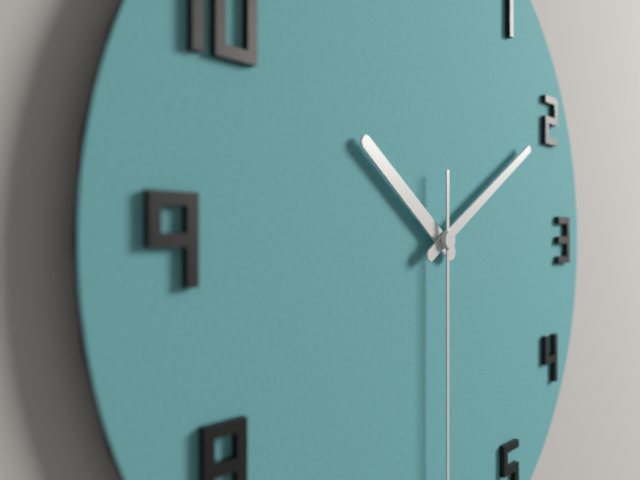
10:10
